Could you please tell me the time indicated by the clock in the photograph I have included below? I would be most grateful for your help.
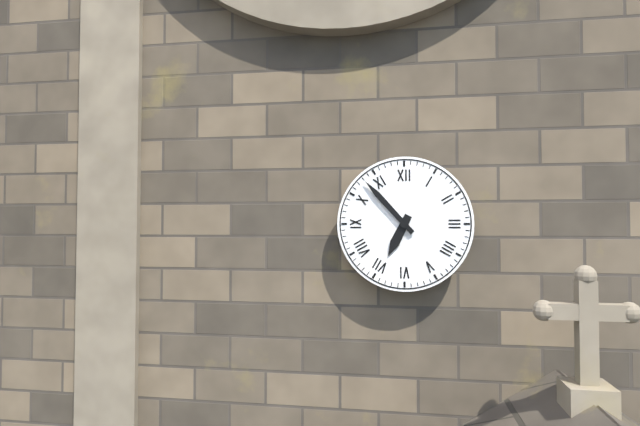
6:53
